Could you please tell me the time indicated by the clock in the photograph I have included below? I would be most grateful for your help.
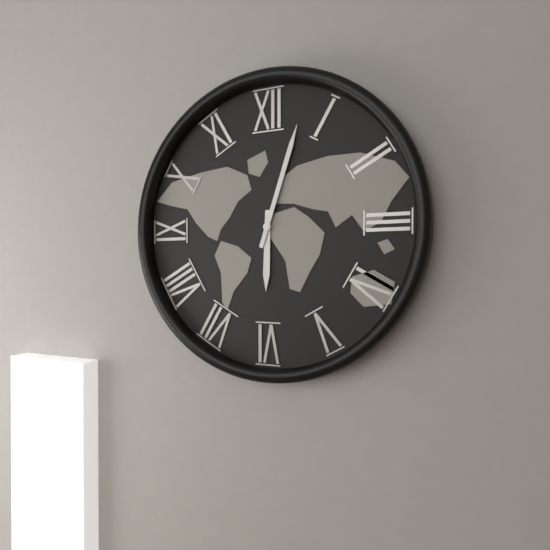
6:03
